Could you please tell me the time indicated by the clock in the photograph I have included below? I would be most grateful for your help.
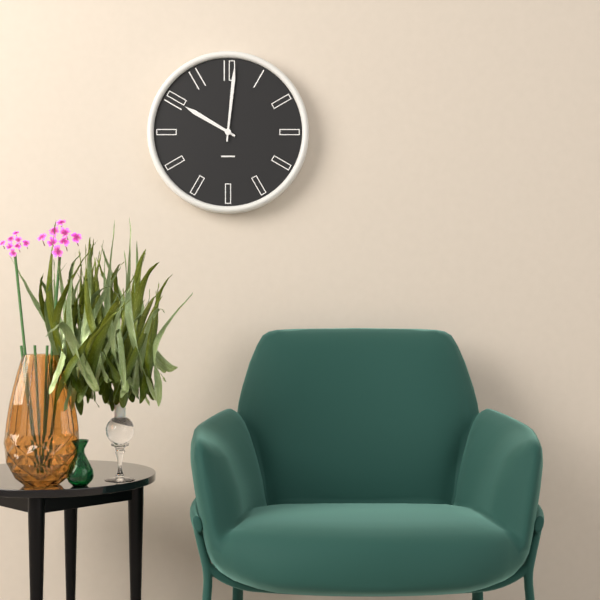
10:01
